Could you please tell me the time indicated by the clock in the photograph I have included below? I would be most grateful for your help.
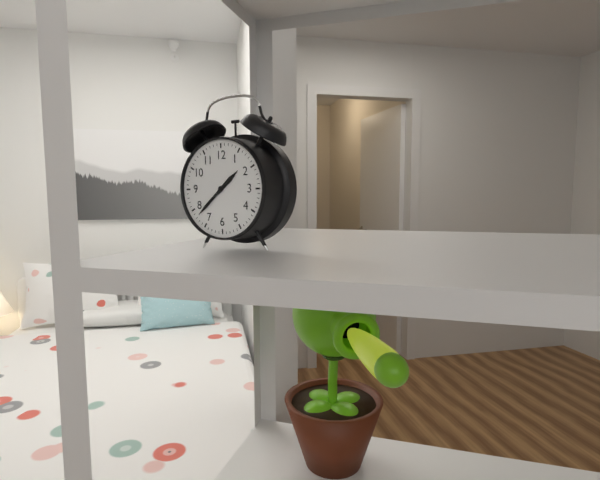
1:38
